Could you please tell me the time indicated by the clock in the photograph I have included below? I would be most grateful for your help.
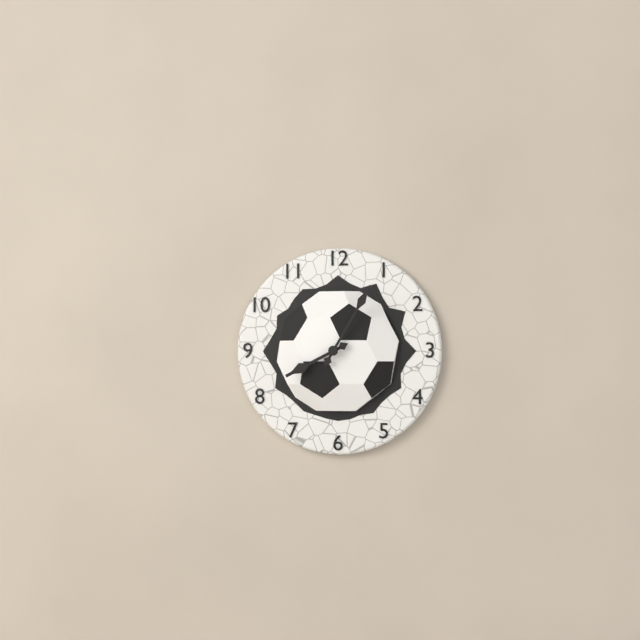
8:05
